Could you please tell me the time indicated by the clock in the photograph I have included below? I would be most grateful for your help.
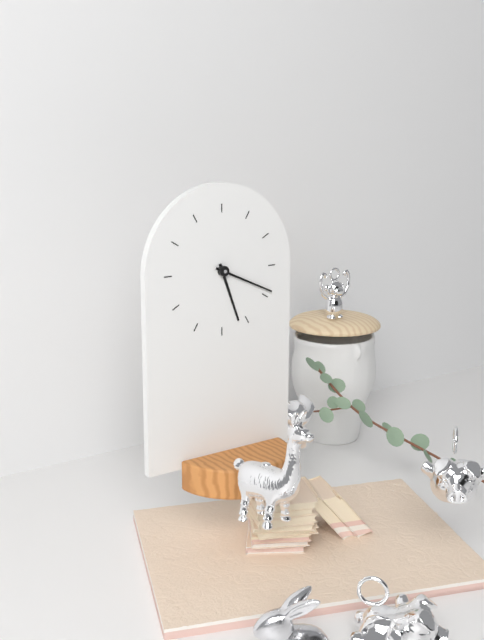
5:19
